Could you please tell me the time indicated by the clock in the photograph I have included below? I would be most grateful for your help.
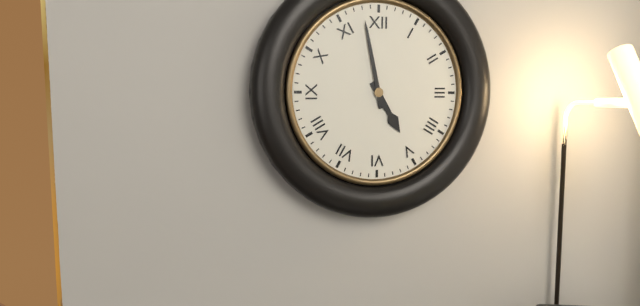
4:58
